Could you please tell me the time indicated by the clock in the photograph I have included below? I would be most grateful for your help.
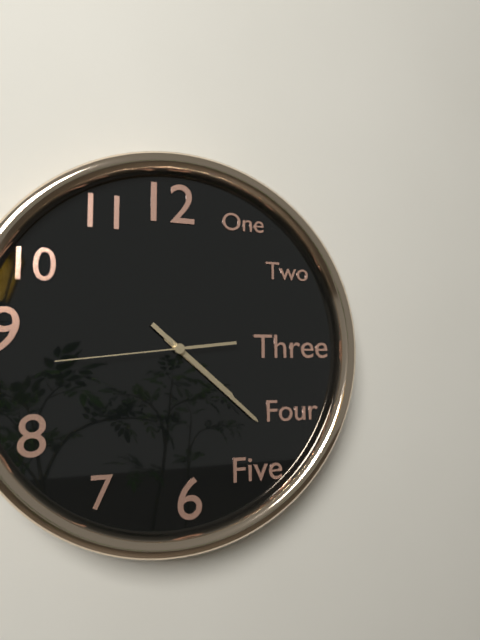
4:22:44
